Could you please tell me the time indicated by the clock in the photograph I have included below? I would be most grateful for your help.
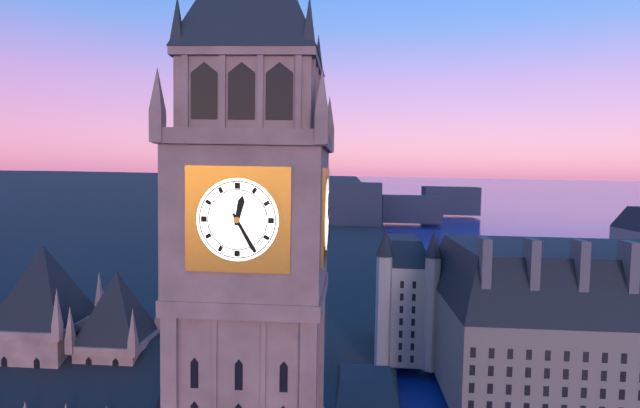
12:25
